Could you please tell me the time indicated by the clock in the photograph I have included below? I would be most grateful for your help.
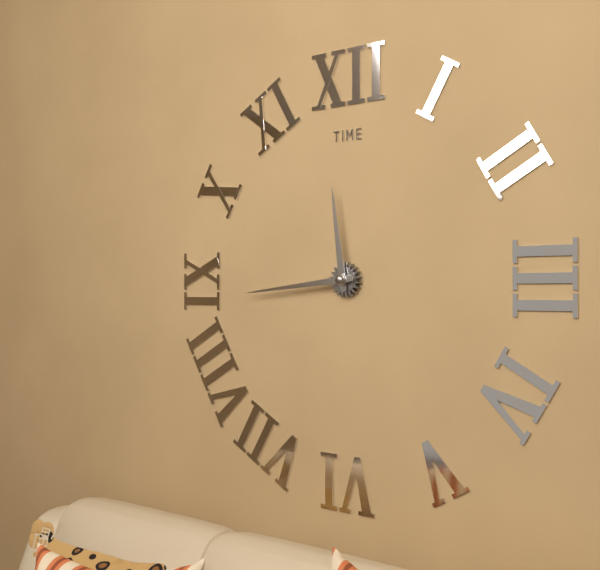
11:44
